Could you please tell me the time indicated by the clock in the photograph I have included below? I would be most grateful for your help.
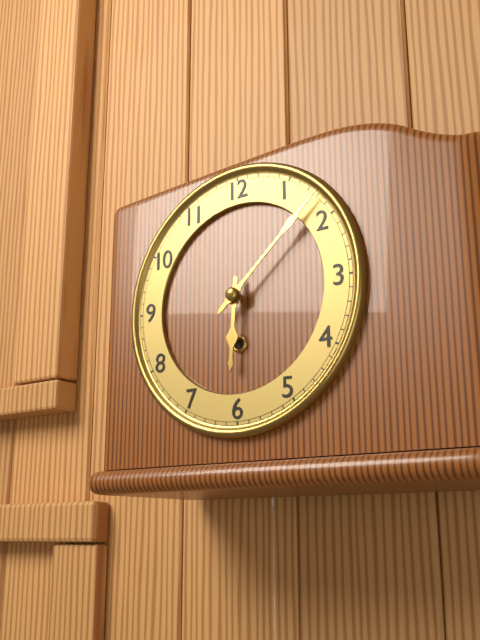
6:08
